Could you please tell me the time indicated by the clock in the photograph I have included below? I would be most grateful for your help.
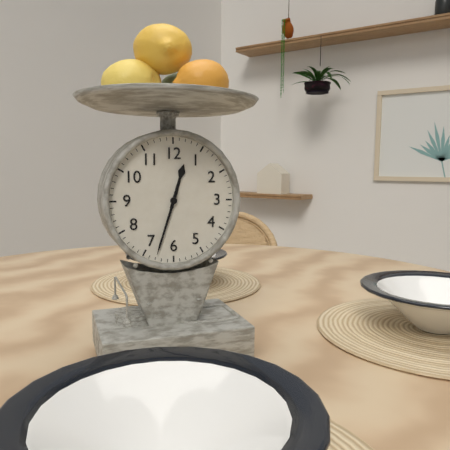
12:33
